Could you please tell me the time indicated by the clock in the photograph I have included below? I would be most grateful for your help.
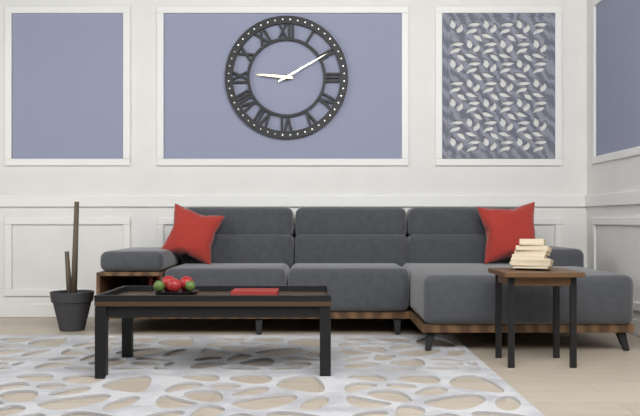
9:10
